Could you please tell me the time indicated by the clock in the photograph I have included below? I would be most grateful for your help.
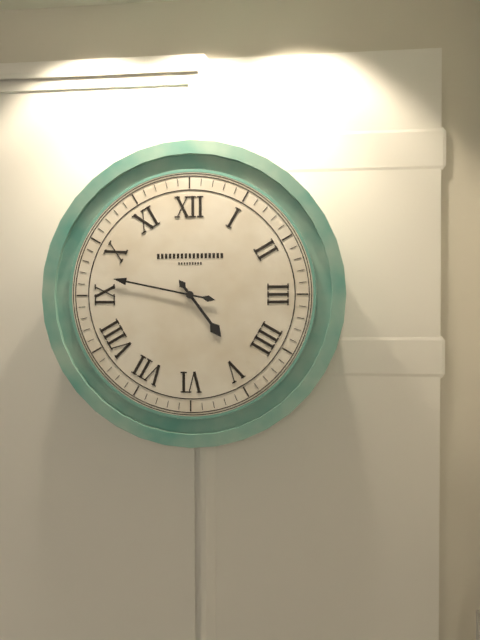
4:47
